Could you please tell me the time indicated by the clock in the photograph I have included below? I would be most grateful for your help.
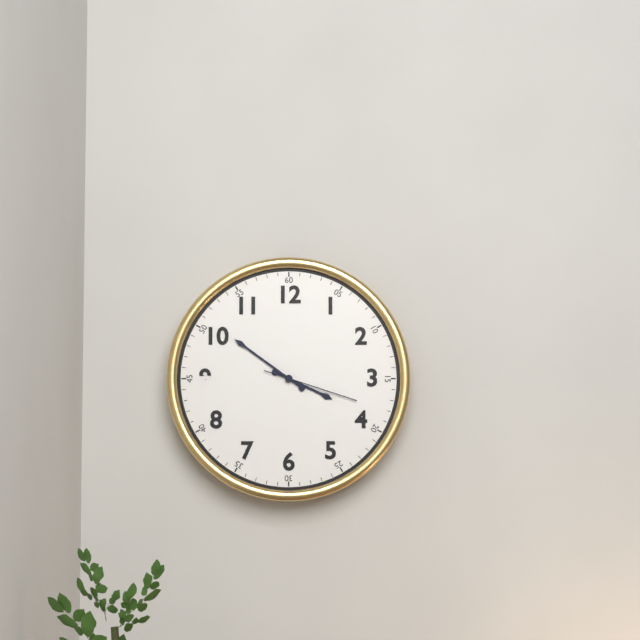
3:51:18
